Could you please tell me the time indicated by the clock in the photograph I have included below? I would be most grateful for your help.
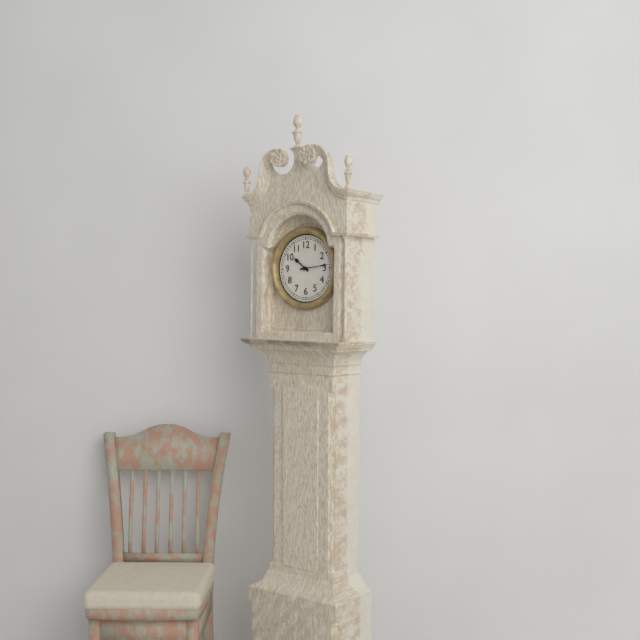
10:14
